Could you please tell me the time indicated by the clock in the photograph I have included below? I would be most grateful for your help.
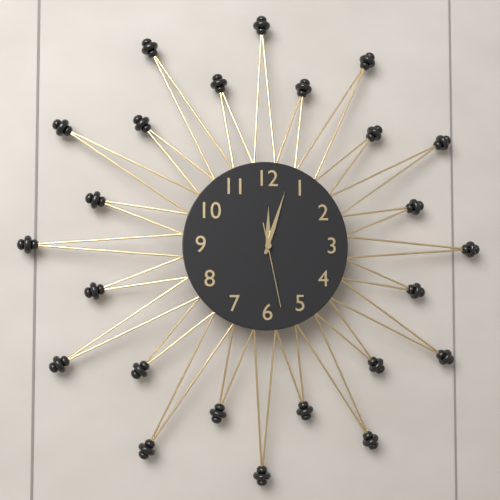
12:03:28
